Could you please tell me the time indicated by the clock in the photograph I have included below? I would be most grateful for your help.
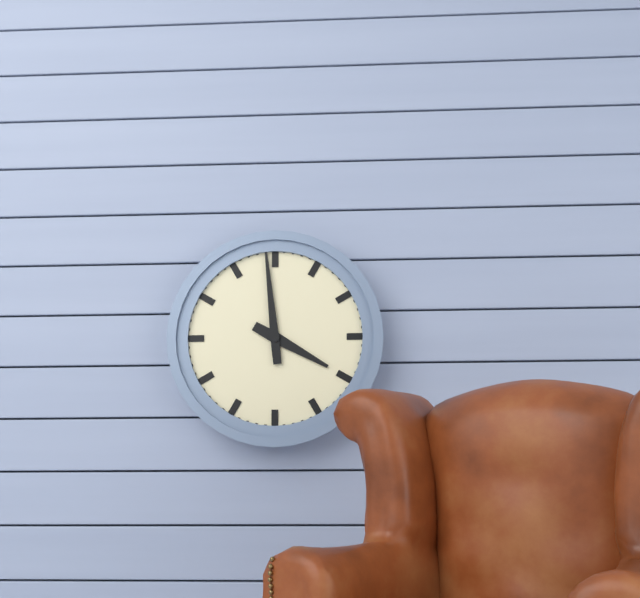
3:59
